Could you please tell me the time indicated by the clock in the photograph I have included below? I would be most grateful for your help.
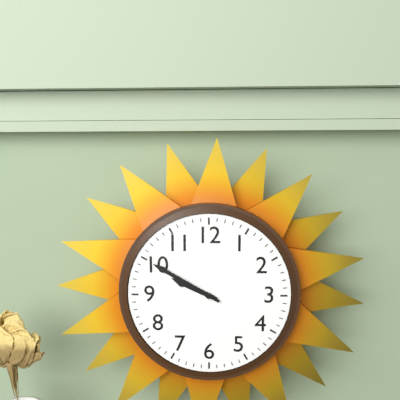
9:50
